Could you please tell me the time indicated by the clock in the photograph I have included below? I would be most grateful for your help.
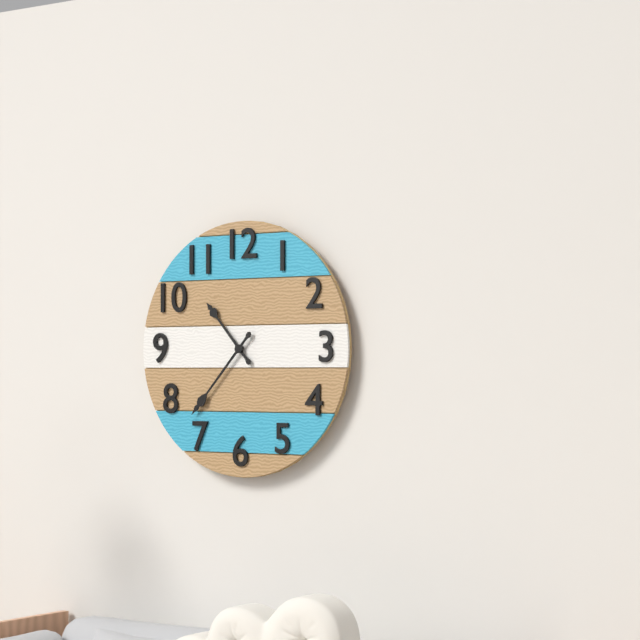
10:37
